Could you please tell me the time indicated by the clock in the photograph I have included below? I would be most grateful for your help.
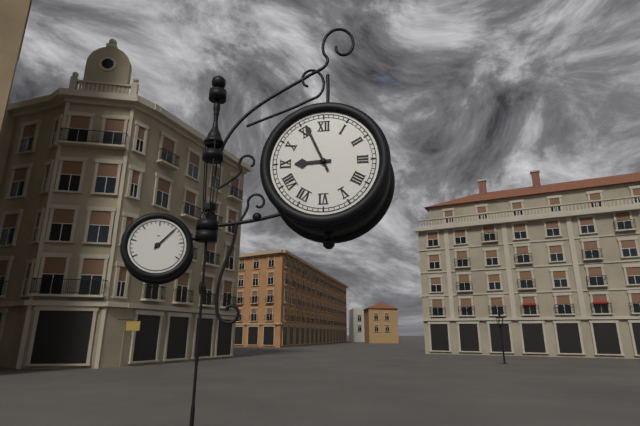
8:56
